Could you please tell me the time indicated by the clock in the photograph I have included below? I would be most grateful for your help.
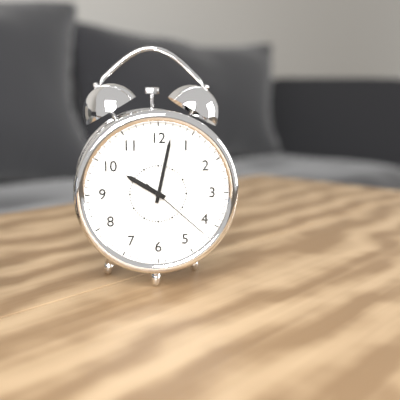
10:02:22
